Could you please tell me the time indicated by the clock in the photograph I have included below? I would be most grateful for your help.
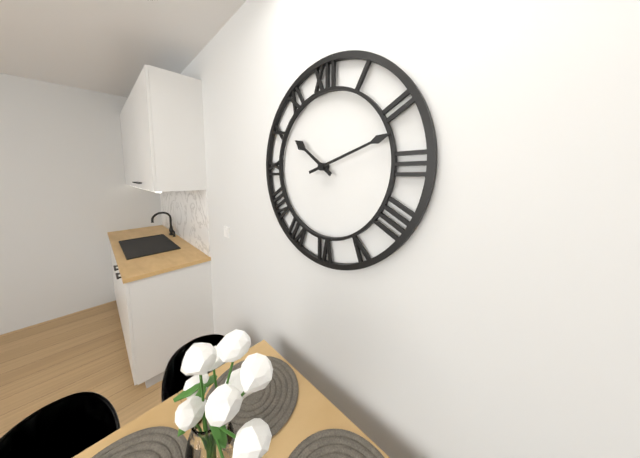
10:12
